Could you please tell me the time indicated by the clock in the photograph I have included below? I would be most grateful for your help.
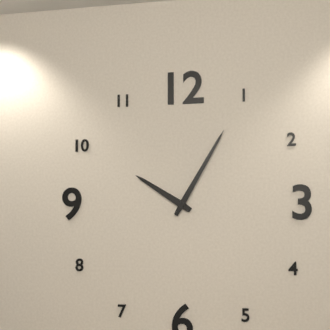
10:05
